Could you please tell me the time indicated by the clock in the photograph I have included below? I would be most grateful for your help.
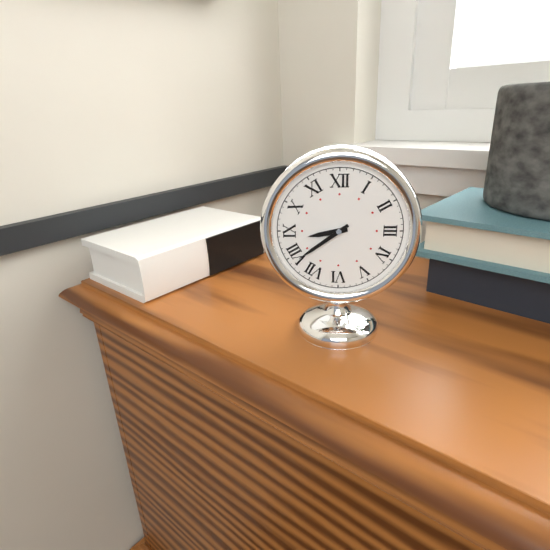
8:39
